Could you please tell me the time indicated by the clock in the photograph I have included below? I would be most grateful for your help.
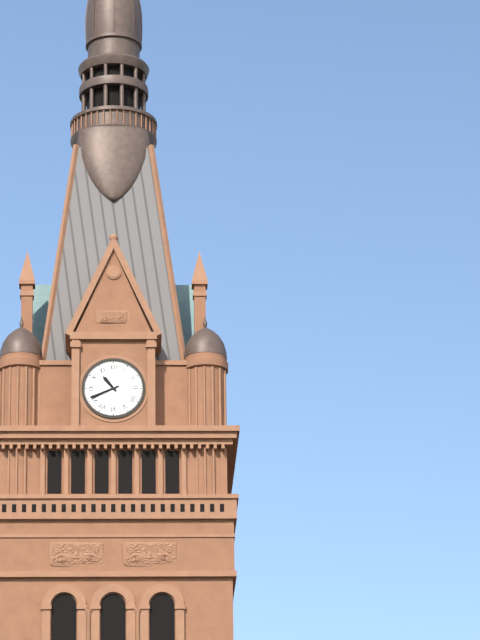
10:41
